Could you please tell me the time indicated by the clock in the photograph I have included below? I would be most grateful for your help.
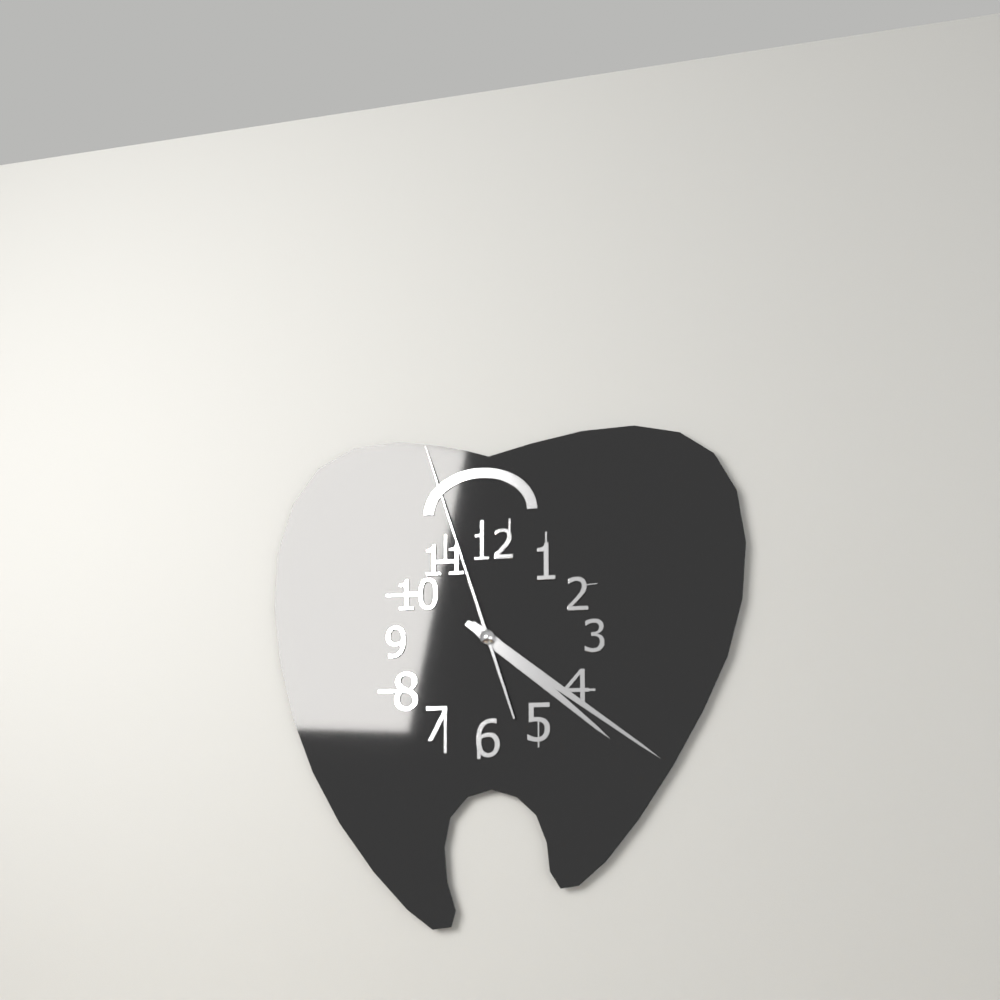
4:21:57
